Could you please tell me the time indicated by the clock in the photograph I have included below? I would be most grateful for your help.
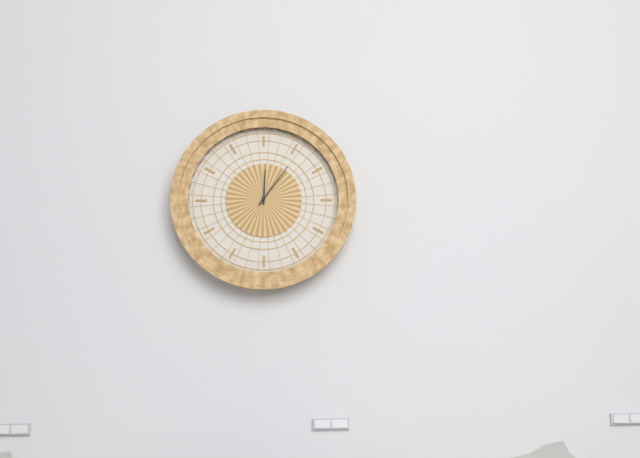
12:06
